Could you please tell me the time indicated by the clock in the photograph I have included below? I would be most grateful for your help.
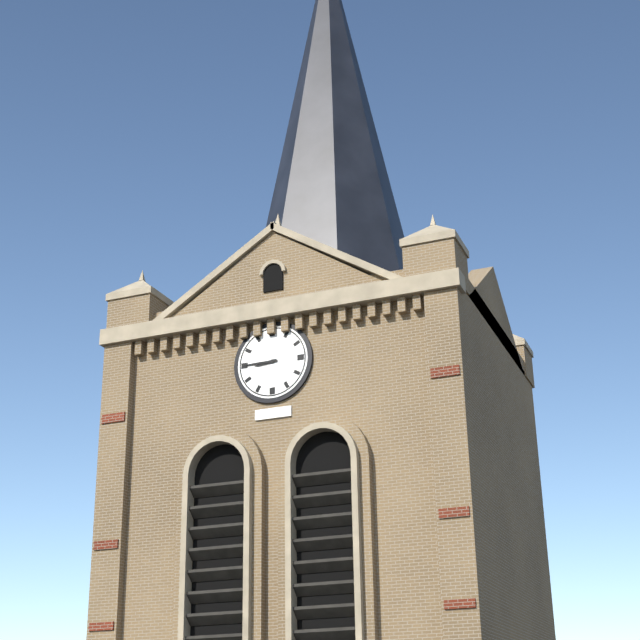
8:45
